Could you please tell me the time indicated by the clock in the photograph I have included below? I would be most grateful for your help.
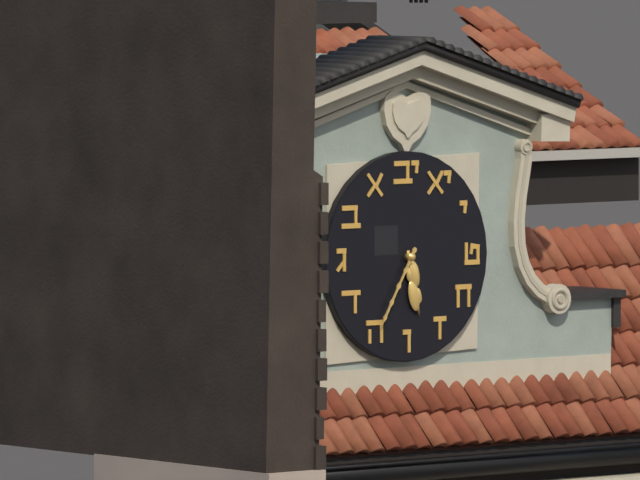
5:35
